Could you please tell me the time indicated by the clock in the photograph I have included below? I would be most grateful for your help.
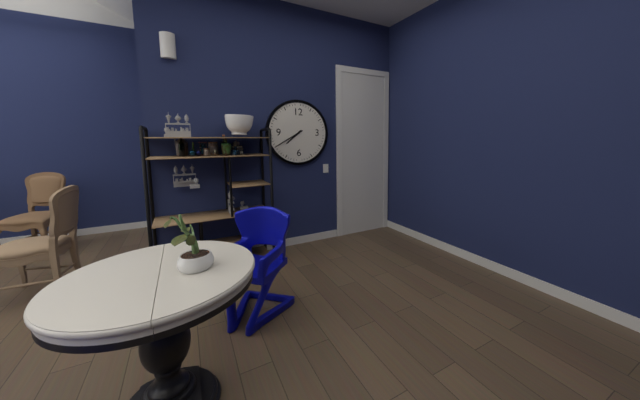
7:40
